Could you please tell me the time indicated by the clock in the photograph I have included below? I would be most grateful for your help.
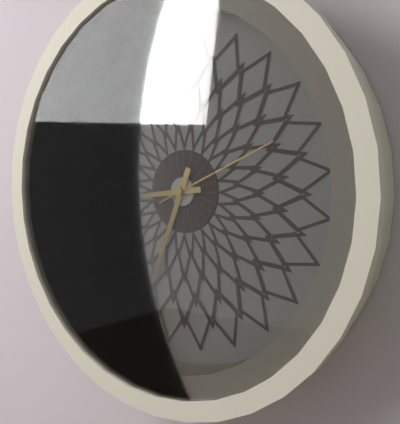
6:44:11
